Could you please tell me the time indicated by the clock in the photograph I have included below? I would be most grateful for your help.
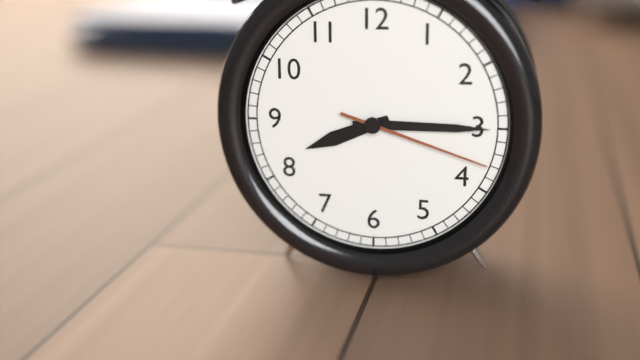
8:15:18
